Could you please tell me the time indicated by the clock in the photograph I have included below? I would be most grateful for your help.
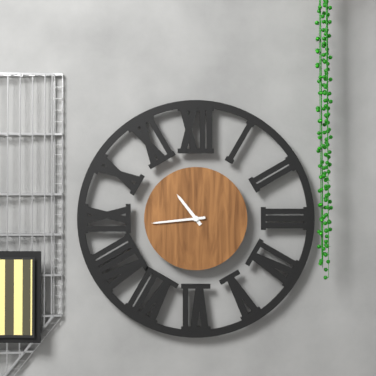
10:44
